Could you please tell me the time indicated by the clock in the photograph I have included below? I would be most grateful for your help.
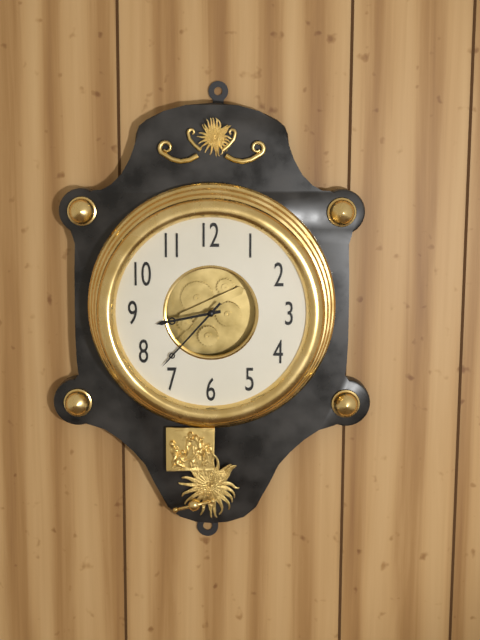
8:37
